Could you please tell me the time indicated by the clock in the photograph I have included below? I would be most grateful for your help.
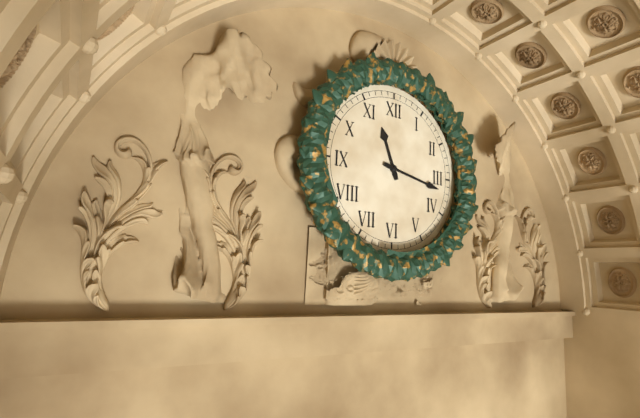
11:17
